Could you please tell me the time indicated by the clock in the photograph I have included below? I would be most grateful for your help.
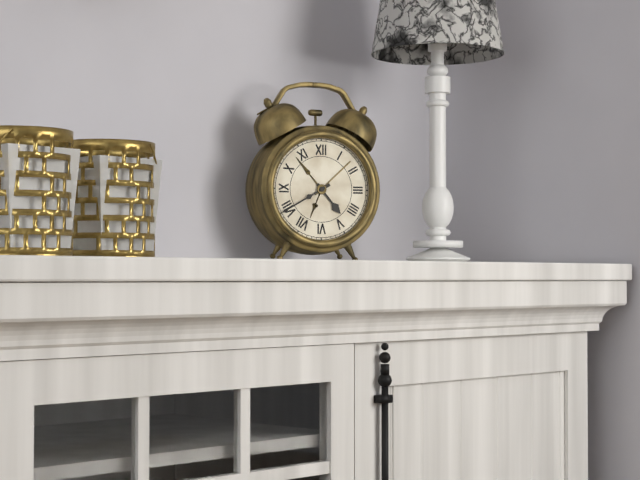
4:40
